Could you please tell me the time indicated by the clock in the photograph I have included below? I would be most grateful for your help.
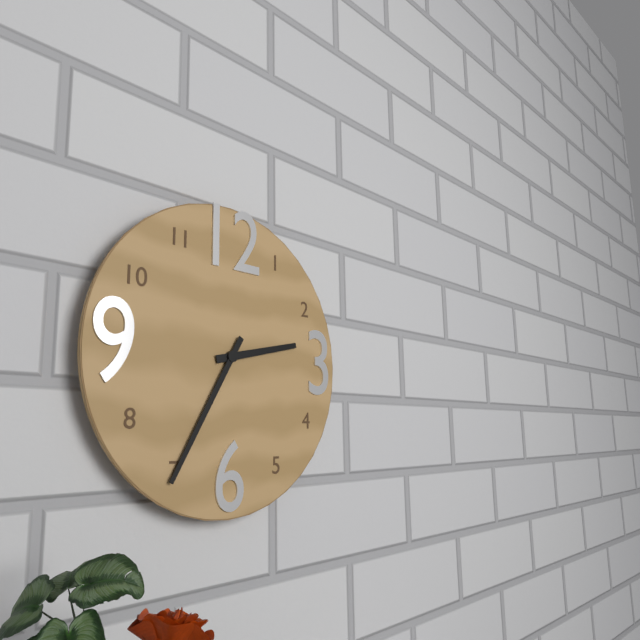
2:35
